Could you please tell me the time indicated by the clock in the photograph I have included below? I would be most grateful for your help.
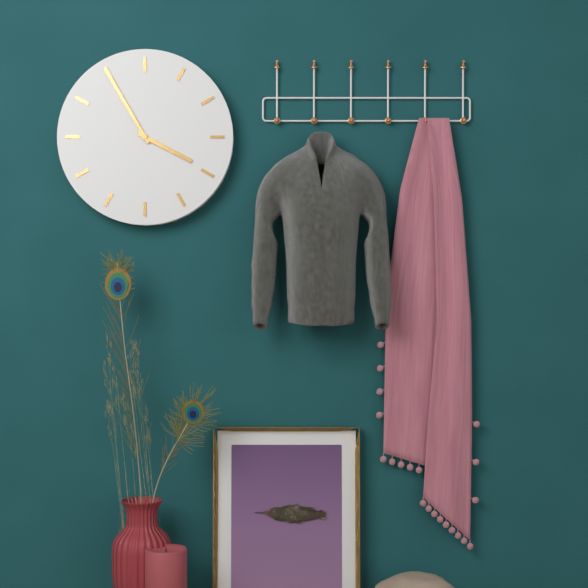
3:55
